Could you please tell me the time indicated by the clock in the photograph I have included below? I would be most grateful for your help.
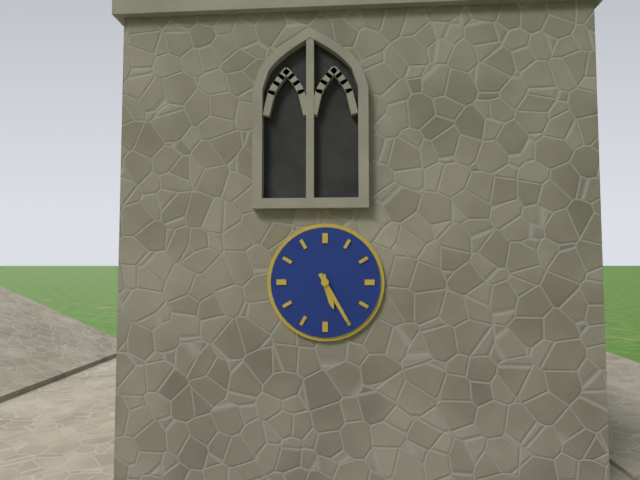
5:25
